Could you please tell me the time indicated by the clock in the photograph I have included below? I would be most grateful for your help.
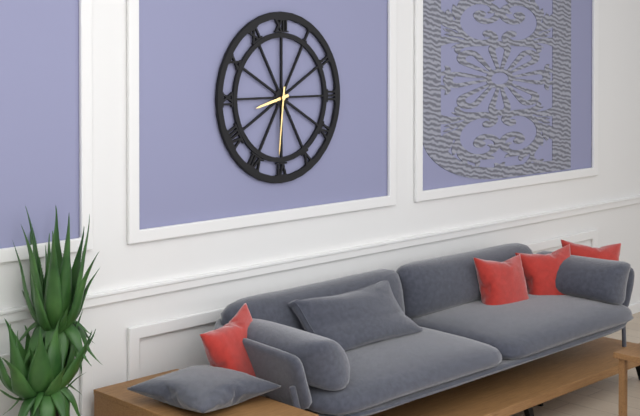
8:31
